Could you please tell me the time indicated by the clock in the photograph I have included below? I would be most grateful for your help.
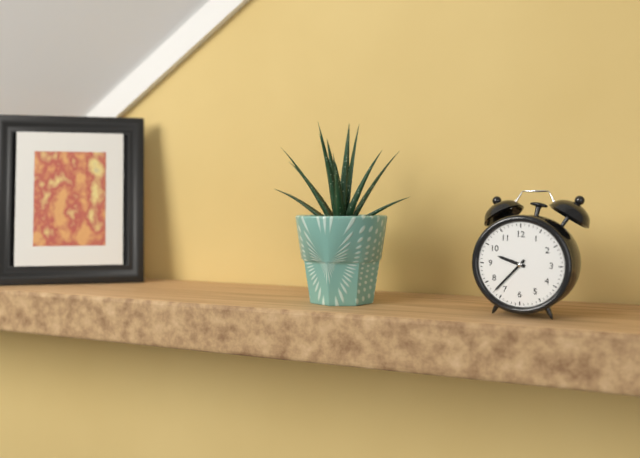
9:37
